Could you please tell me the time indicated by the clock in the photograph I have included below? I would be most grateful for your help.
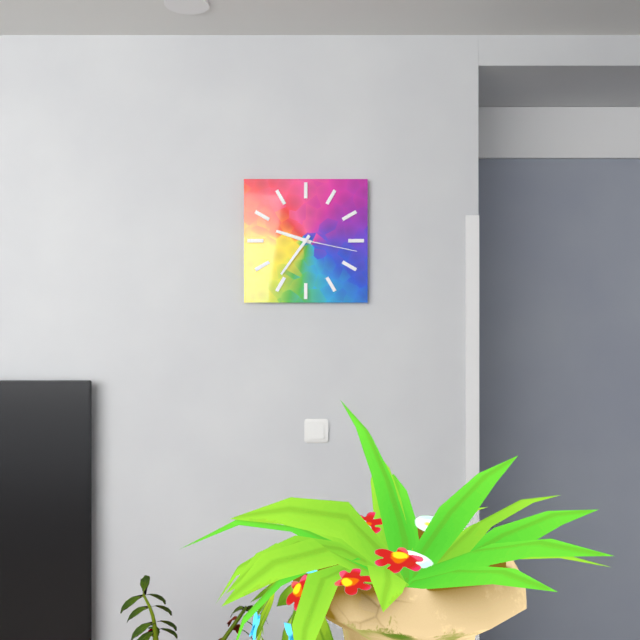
9:36:17
